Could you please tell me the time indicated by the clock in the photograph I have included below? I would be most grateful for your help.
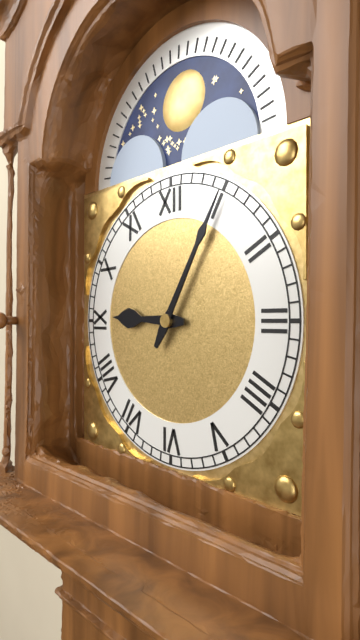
9:05
